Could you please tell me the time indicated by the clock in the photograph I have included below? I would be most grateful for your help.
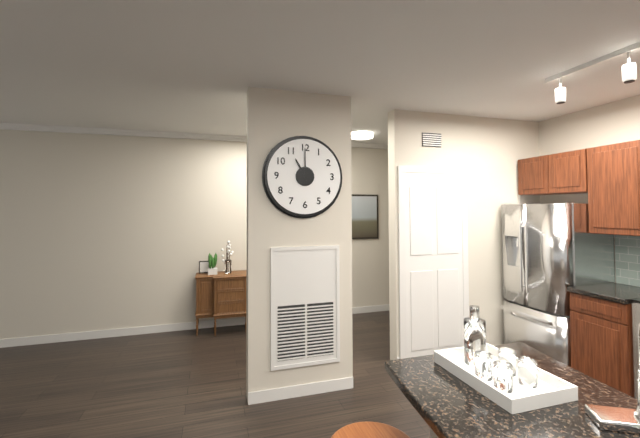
11:00
